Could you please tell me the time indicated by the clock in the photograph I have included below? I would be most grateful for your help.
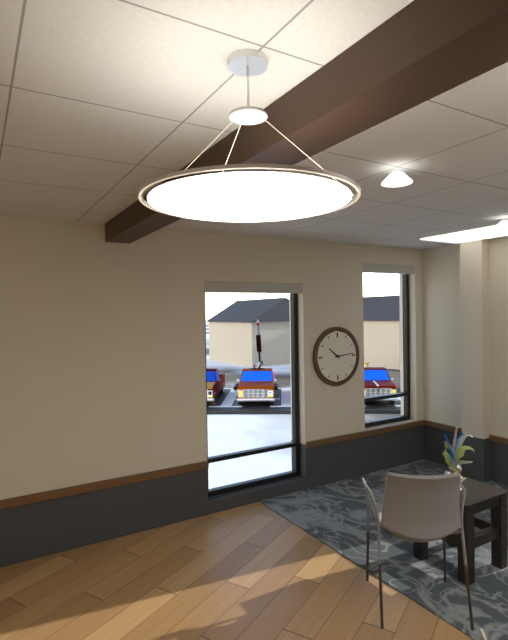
10:14
